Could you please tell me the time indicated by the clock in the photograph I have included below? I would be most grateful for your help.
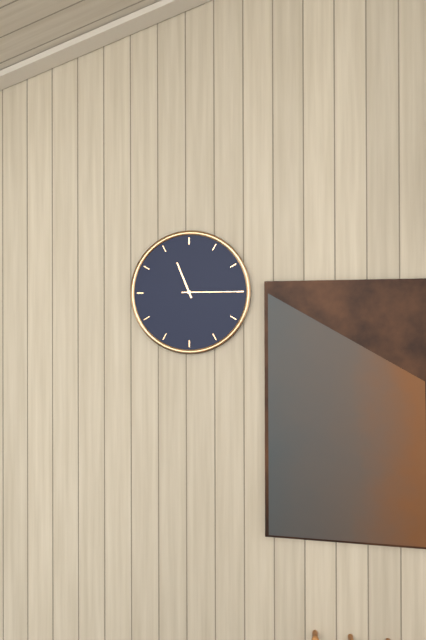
11:15
